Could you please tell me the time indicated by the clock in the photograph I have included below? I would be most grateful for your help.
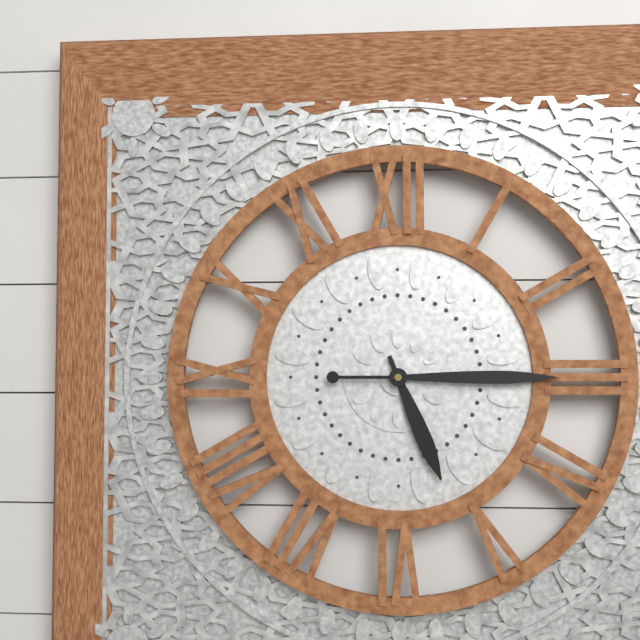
5:15
